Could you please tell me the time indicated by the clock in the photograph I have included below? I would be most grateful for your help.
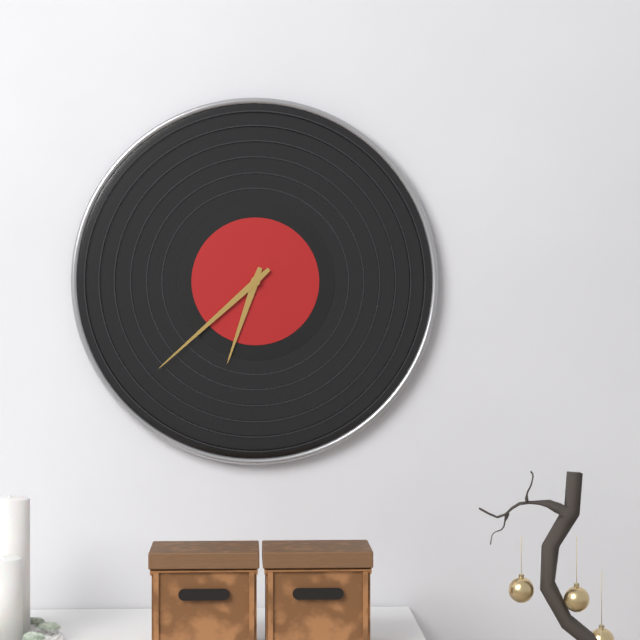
6:38
